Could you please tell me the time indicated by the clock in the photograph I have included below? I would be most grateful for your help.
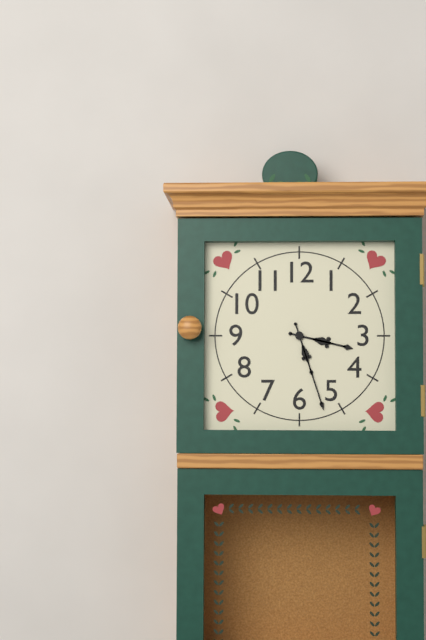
3:27
